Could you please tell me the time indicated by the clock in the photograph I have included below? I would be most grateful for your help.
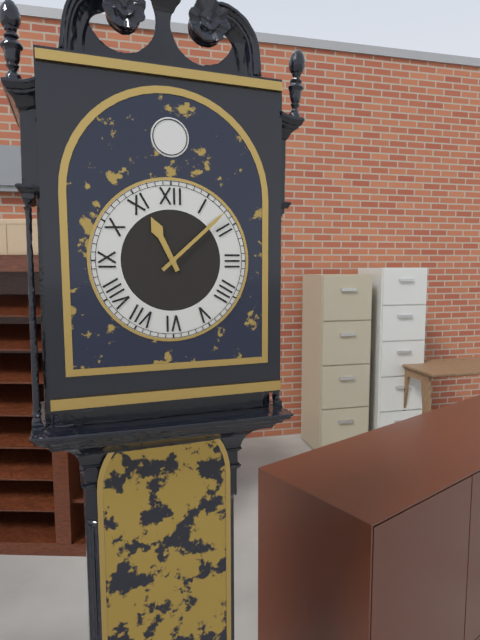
11:08
